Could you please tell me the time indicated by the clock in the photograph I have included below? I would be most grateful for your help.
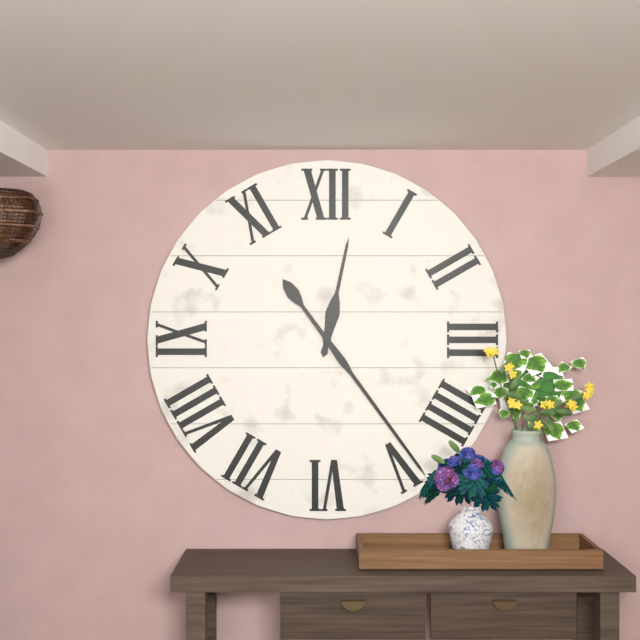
12:24
